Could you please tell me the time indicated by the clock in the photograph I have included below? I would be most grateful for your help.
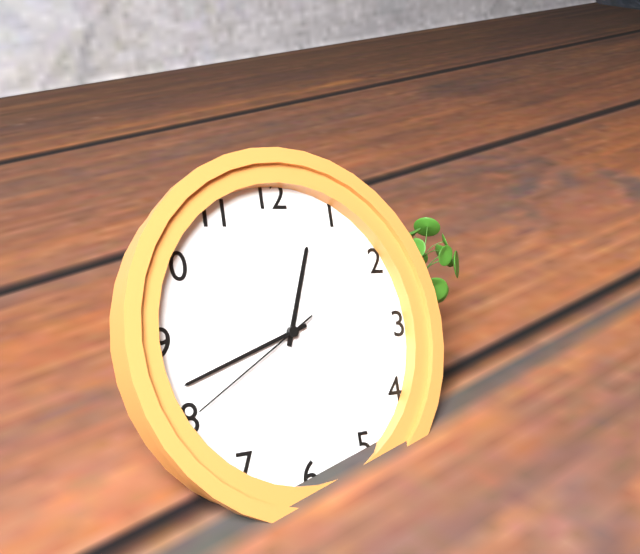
12:42:40
